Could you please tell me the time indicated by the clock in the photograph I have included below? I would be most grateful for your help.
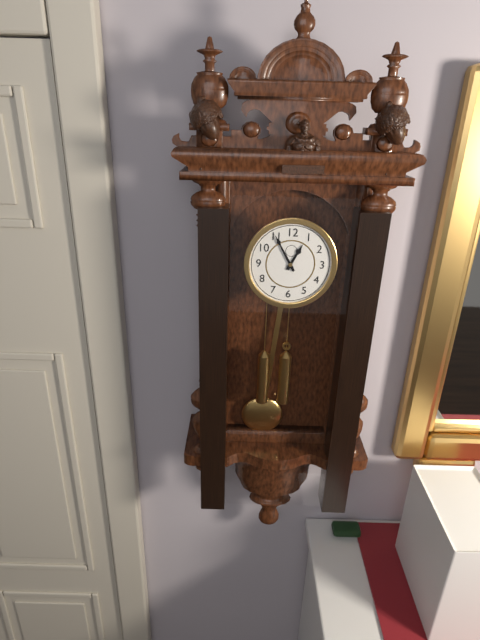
12:55
